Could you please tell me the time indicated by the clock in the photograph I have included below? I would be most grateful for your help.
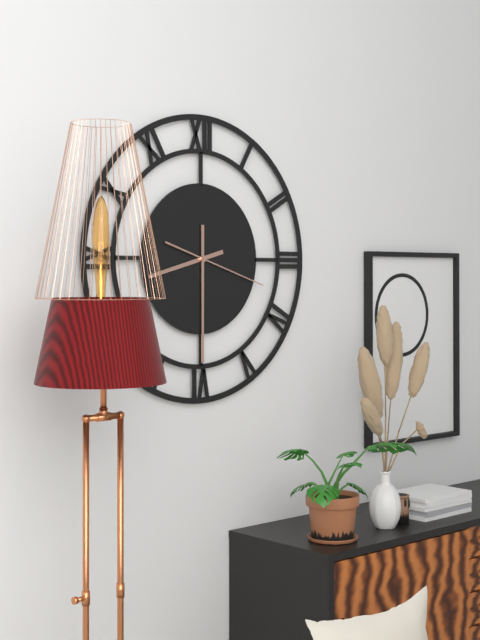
8:30:18
